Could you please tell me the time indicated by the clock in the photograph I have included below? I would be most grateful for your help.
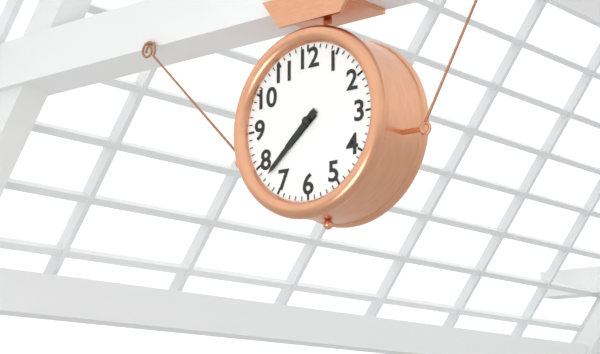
7:38
